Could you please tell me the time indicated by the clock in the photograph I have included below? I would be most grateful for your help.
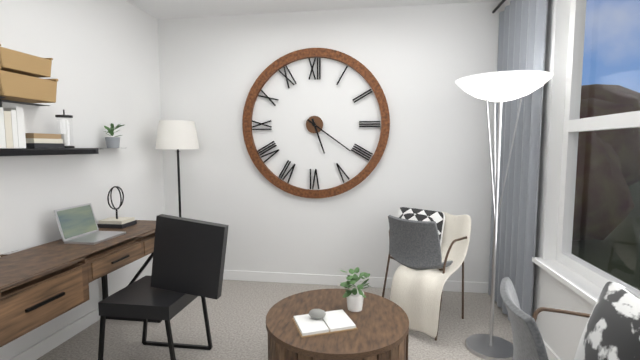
5:21
